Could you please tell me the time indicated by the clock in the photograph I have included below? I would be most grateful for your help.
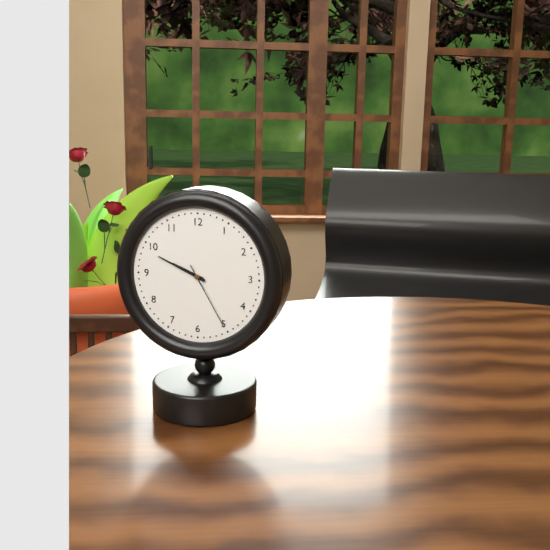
9:49:25
